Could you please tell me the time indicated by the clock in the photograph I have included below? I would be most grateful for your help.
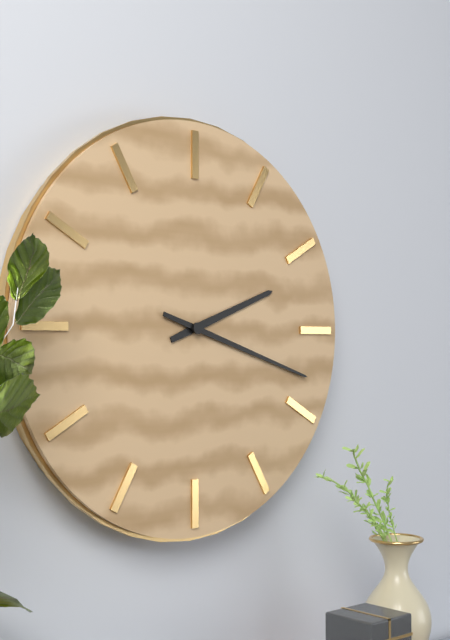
2:18
